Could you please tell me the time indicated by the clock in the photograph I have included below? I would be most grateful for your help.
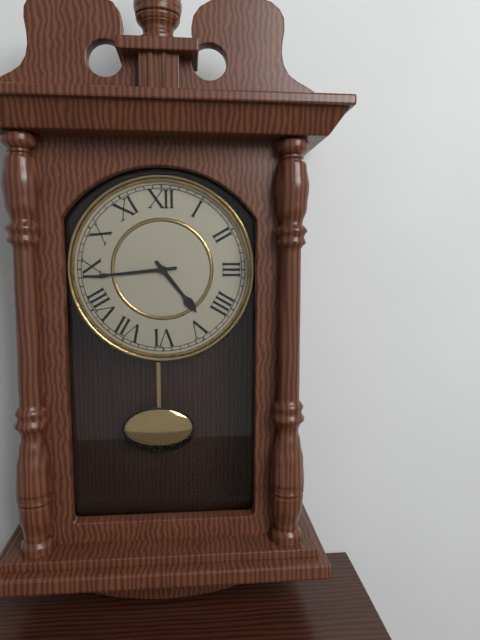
4:44
